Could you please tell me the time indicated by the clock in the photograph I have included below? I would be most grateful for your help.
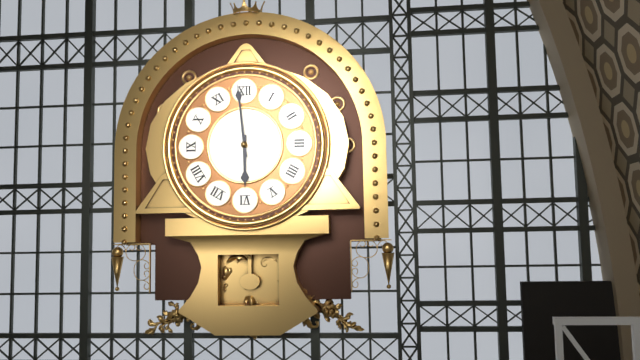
5:59
